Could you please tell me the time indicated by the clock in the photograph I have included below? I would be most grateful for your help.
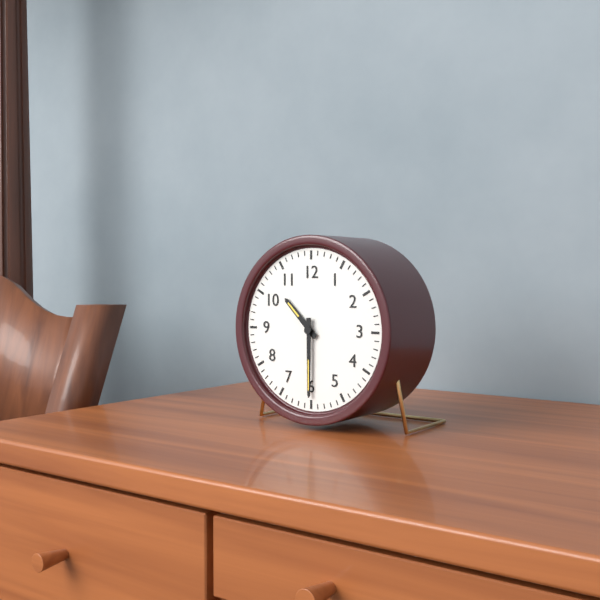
10:30
